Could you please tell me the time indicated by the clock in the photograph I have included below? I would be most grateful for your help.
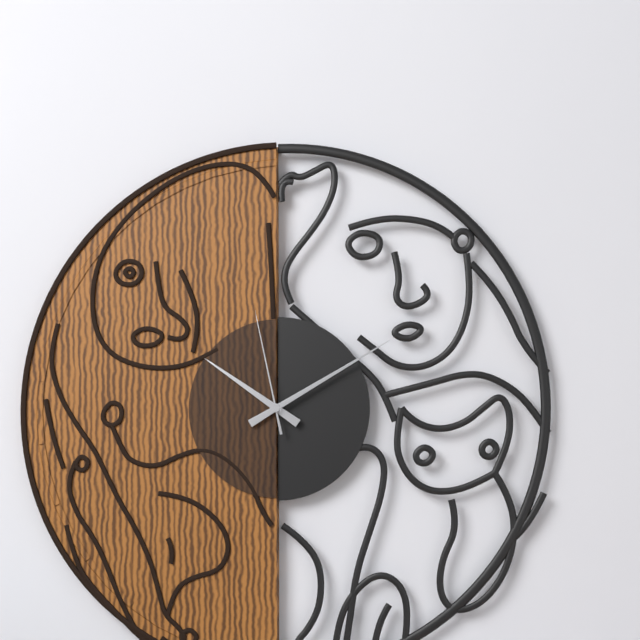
10:10:58
